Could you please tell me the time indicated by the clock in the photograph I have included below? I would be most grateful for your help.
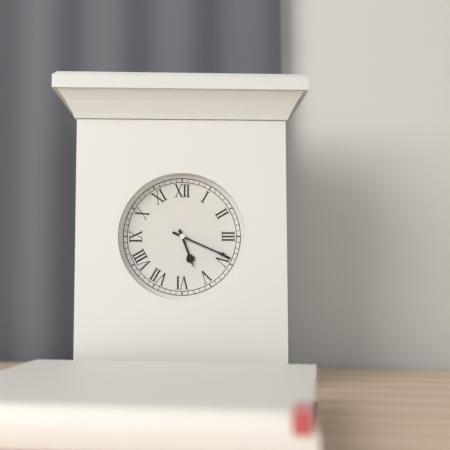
5:19
